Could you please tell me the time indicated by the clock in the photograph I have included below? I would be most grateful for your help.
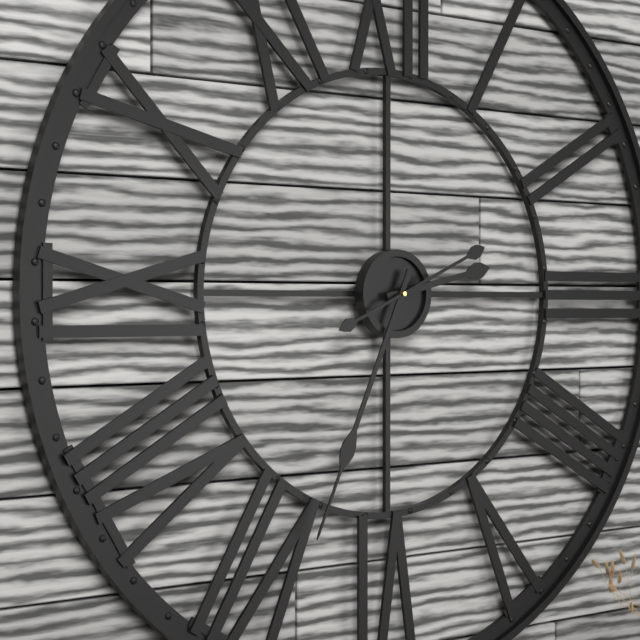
2:34:11
